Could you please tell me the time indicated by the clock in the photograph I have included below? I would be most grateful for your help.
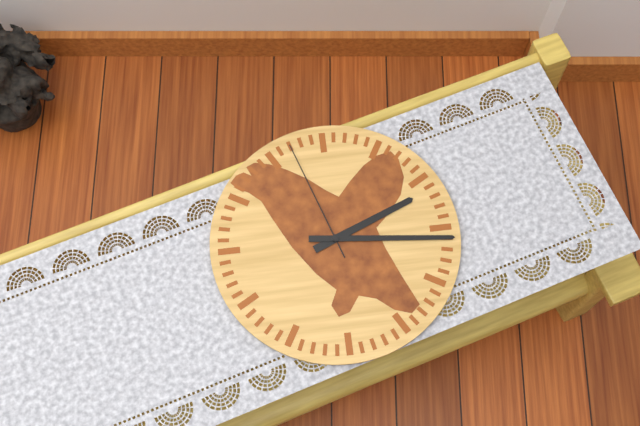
2:16:57
